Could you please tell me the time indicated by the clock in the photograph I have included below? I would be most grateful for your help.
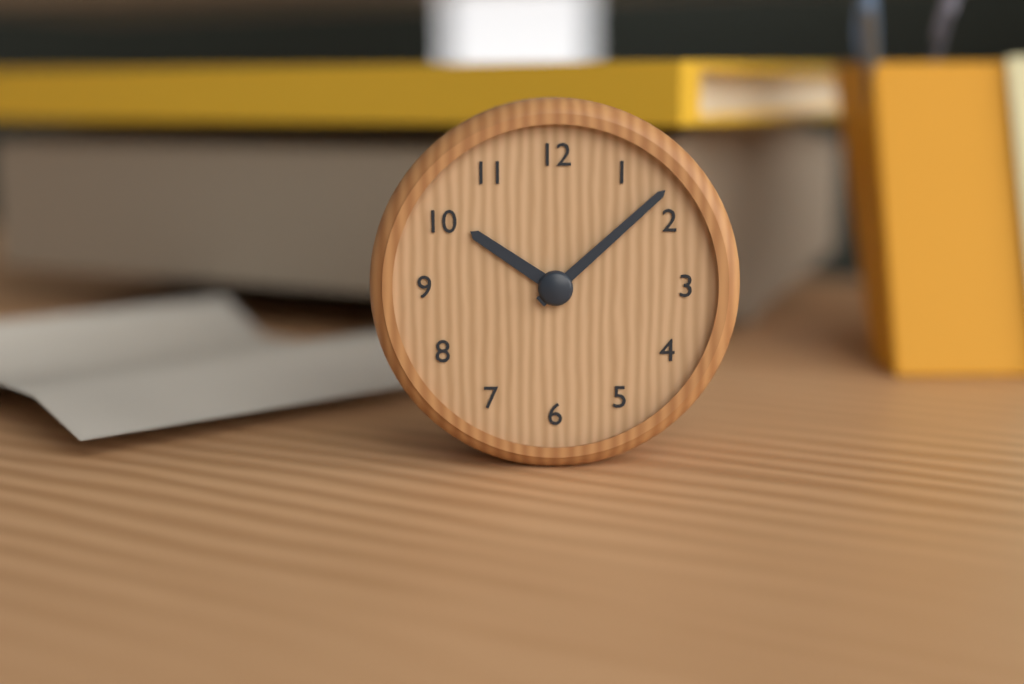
10:08
